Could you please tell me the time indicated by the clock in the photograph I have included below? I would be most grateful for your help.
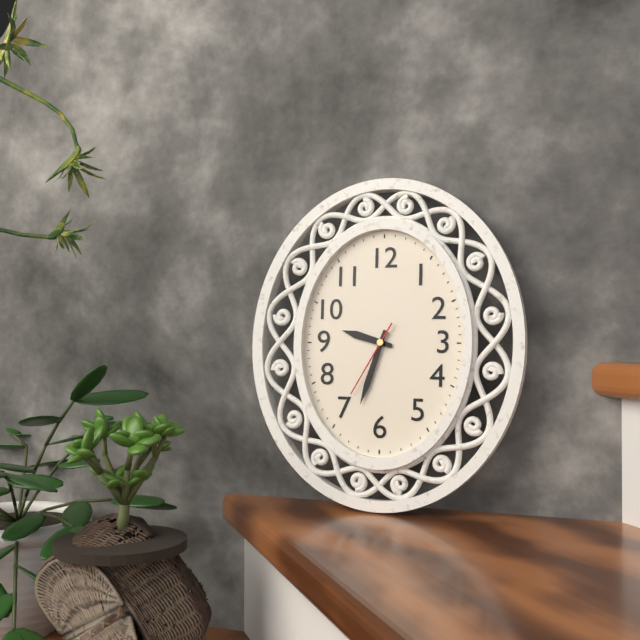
9:33:35
